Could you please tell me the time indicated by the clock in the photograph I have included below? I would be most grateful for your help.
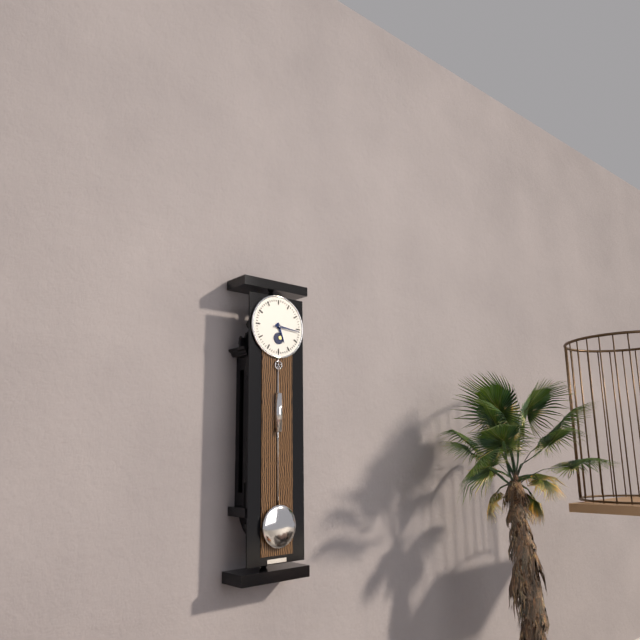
5:16
